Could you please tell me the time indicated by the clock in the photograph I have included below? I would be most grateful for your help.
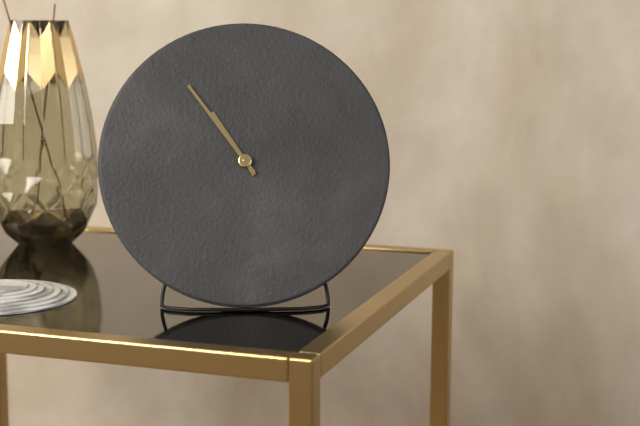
10:54
